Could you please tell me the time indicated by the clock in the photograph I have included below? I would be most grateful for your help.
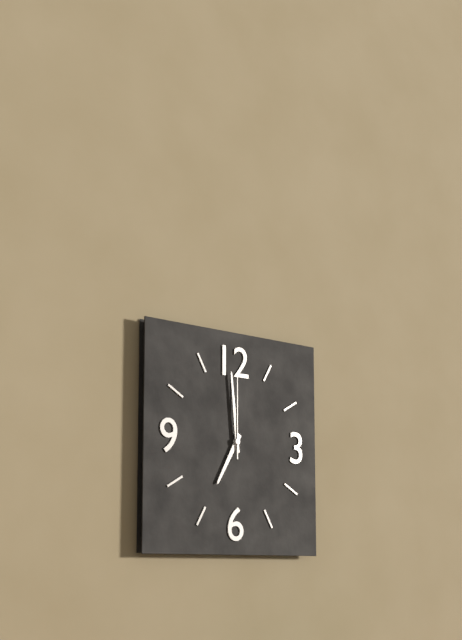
6:59:00
